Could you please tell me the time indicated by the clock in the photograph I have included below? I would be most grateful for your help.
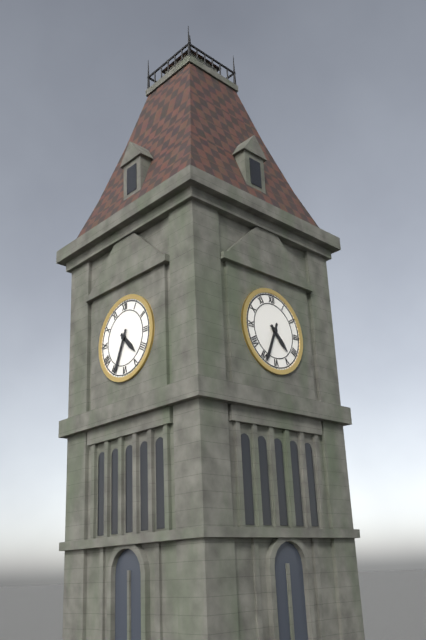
4:34
